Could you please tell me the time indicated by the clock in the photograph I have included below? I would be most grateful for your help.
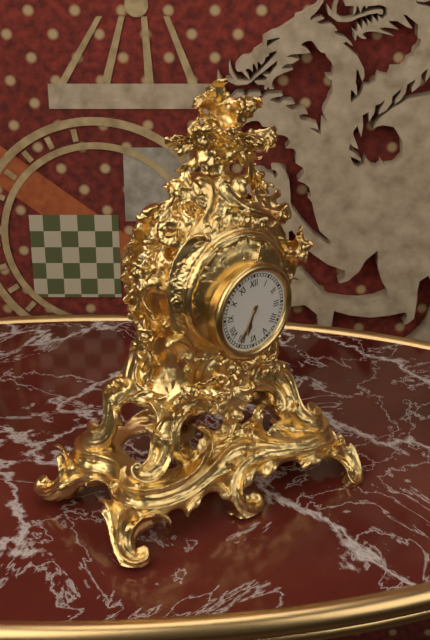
6:35
